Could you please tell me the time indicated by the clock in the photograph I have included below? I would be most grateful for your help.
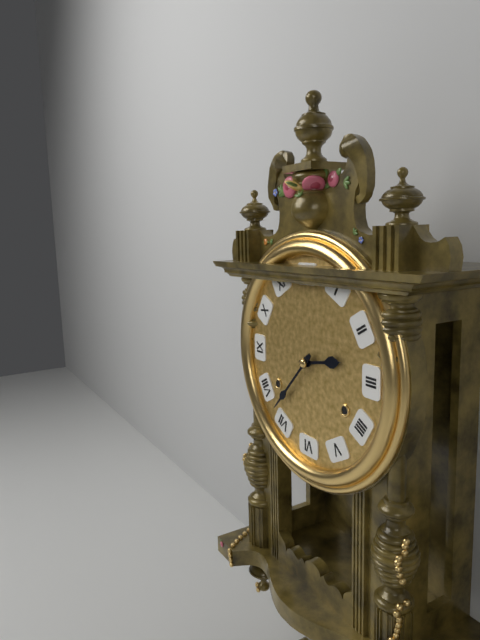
2:37
